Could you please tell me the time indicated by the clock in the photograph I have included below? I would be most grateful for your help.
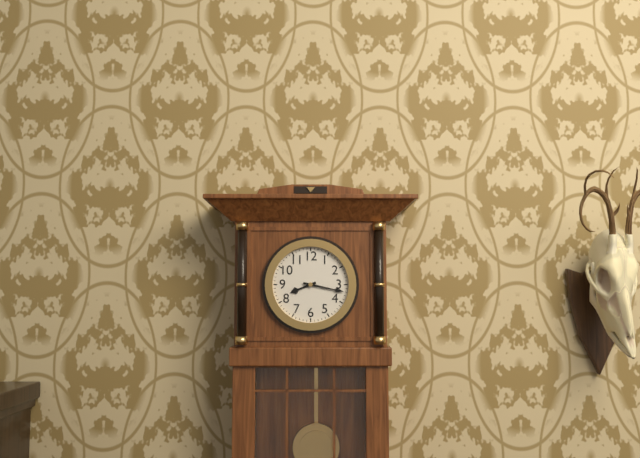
8:17
